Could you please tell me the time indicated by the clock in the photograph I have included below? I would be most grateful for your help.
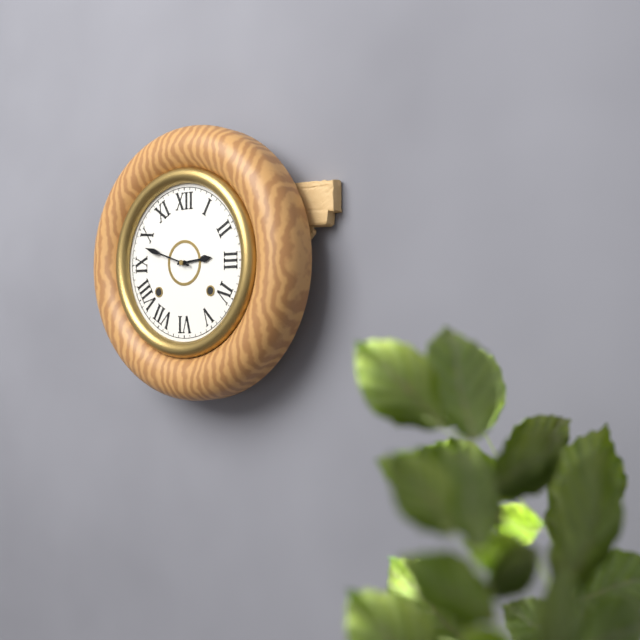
2:48
